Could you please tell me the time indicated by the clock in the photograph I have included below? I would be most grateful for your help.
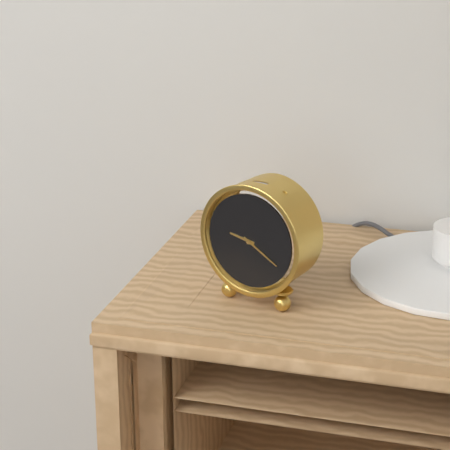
9:20
